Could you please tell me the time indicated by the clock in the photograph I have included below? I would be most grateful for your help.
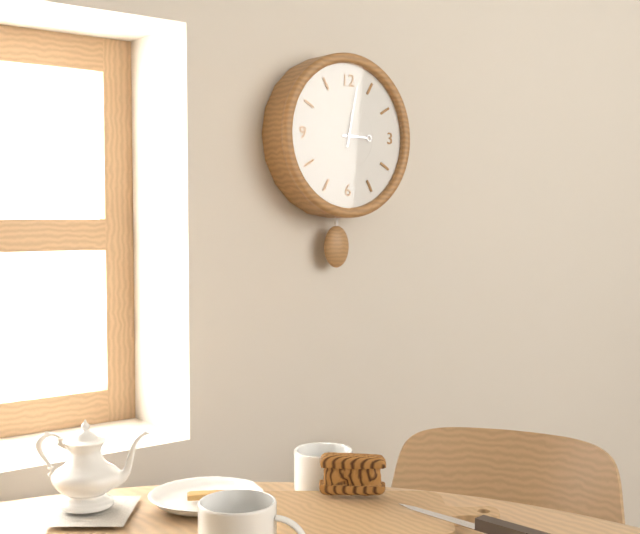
3:02
